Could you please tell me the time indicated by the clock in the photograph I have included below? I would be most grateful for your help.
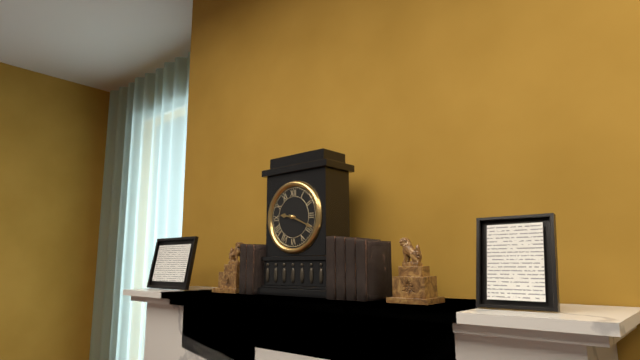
9:19
